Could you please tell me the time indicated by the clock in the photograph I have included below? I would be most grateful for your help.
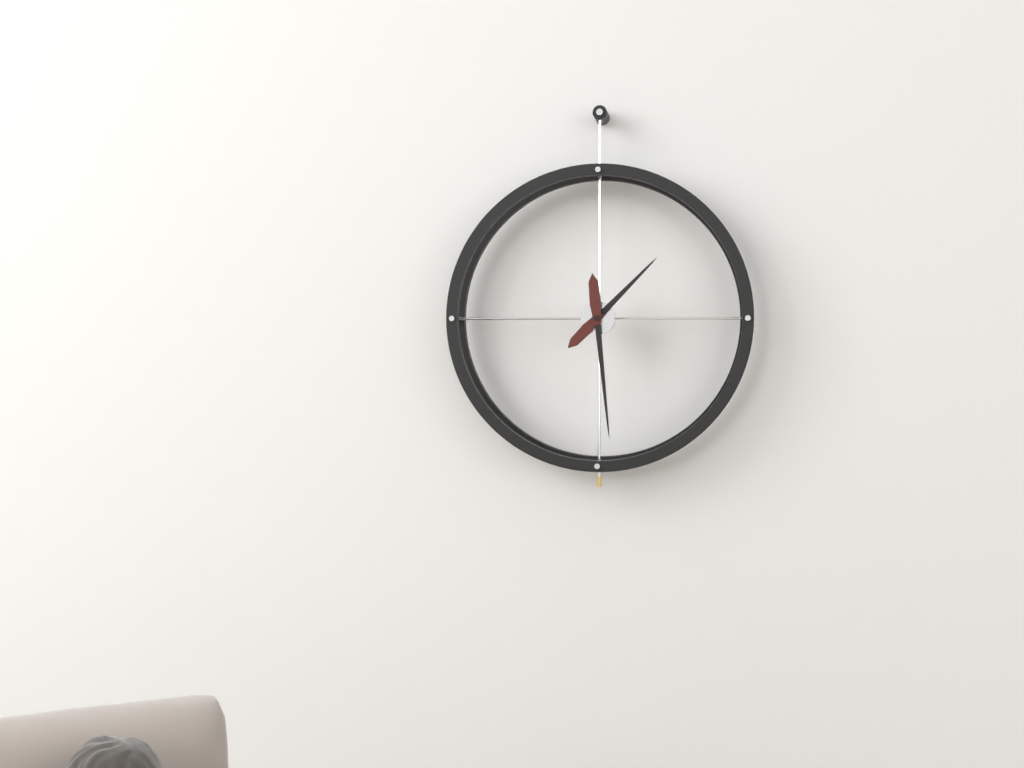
1:29
